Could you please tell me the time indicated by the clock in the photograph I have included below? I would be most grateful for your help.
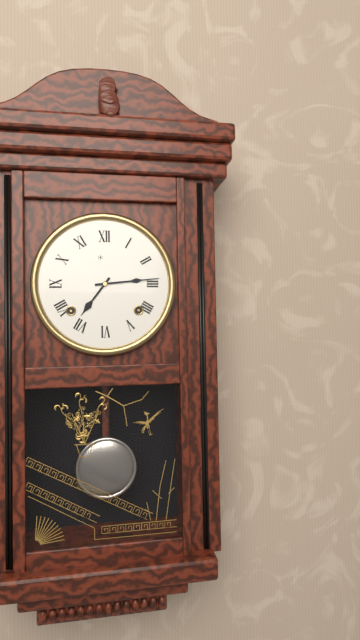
7:14
